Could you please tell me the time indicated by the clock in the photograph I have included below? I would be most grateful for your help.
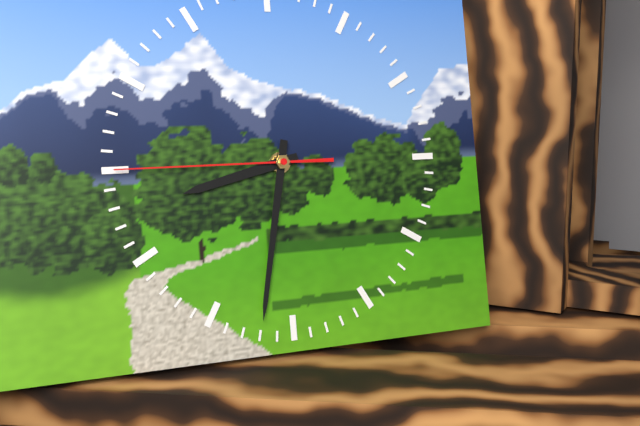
8:32:45
